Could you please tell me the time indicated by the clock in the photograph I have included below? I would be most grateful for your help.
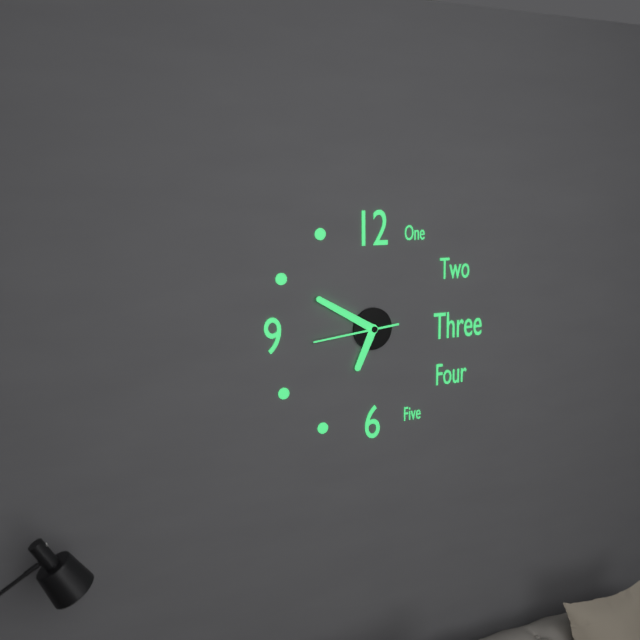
6:50:44
